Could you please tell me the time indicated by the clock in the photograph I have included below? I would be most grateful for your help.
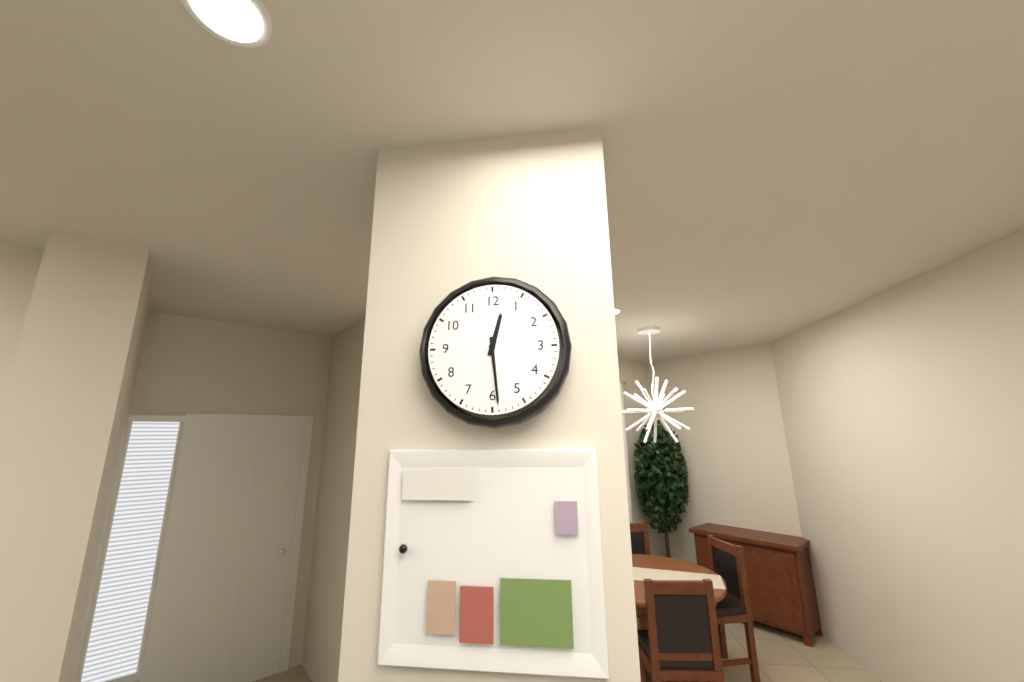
12:29
